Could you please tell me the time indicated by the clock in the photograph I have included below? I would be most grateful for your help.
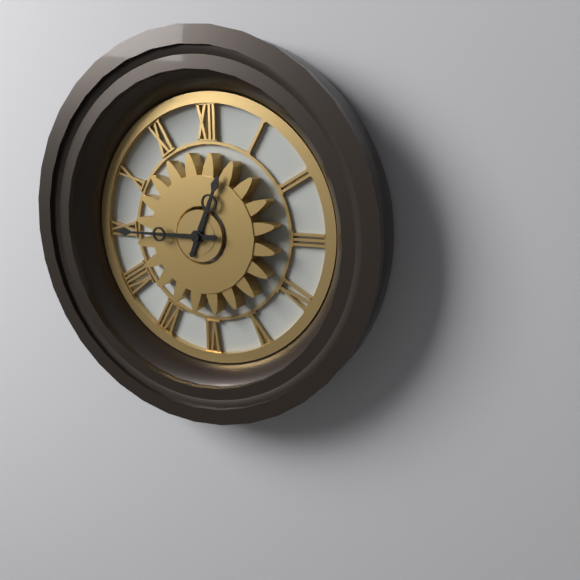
12:45
